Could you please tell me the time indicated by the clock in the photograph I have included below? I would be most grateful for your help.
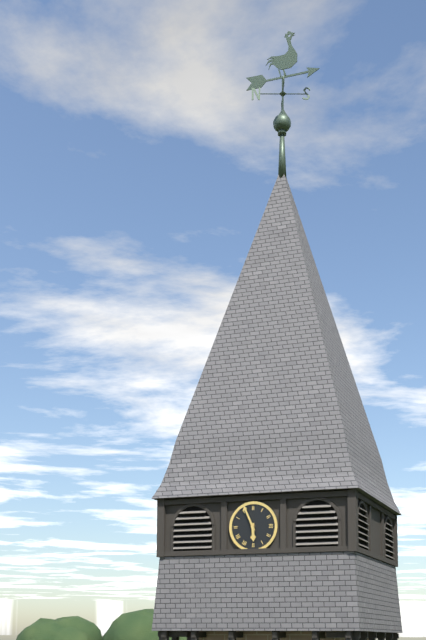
5:56
